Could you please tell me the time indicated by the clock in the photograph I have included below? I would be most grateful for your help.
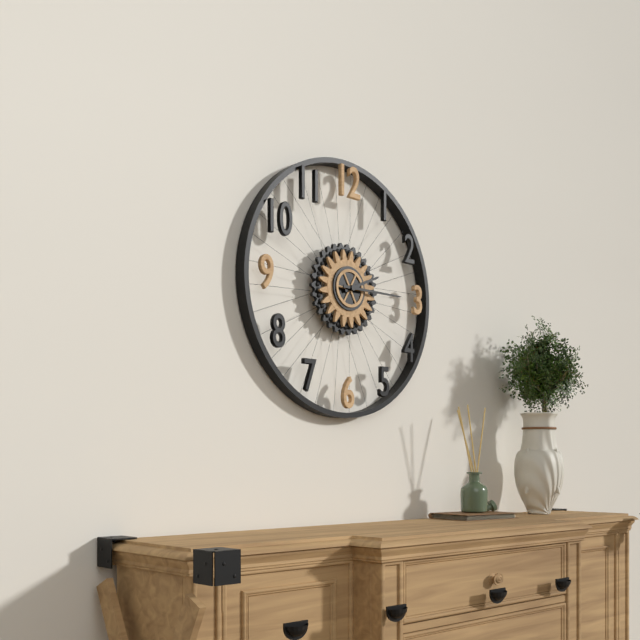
2:15
